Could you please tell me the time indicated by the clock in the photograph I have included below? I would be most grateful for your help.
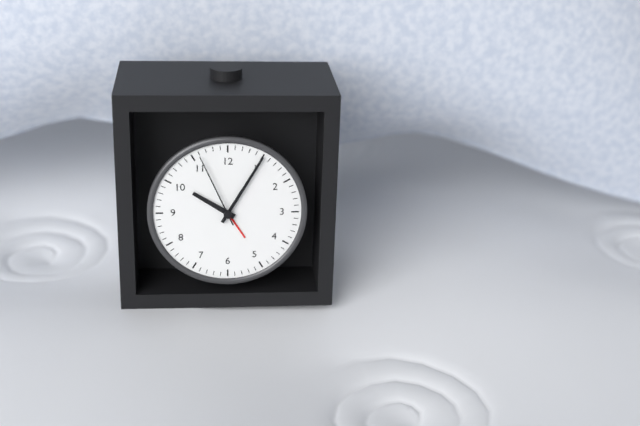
10:05:56
